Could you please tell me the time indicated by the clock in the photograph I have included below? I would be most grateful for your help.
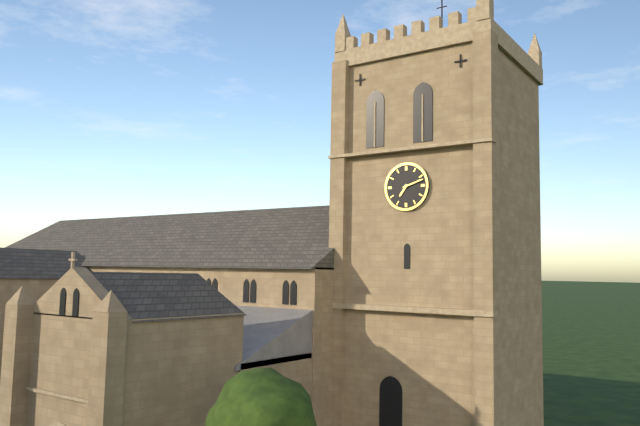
7:12
